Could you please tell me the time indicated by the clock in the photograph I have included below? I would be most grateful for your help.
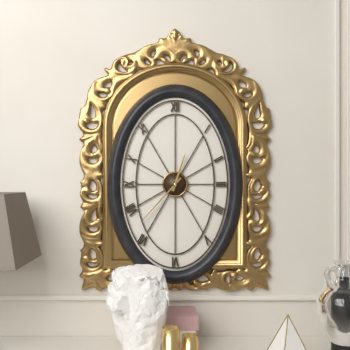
12:37
